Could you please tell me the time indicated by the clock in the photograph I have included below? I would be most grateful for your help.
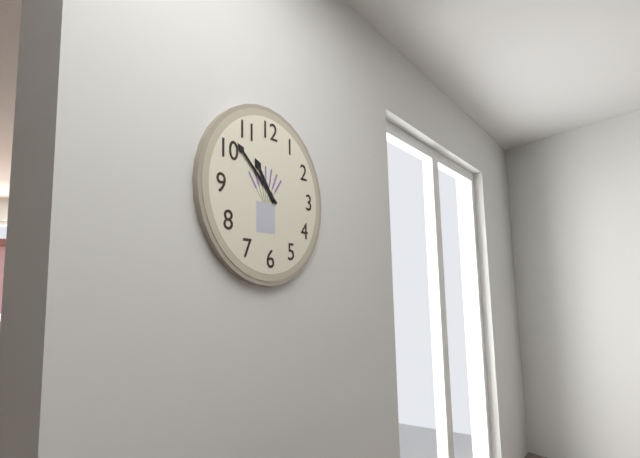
10:52
